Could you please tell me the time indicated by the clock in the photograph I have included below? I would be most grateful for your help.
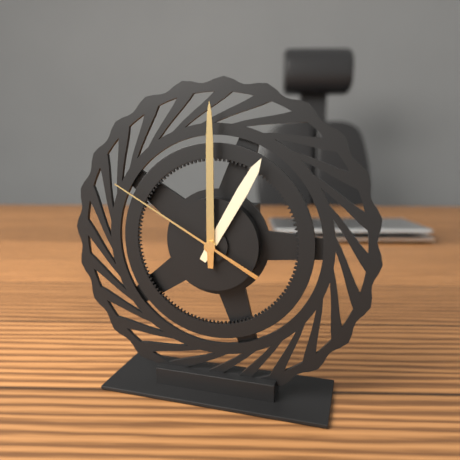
1:00:50
